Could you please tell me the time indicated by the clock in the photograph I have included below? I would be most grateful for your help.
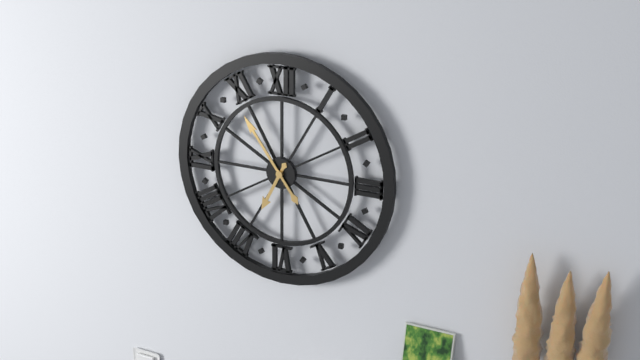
6:54
